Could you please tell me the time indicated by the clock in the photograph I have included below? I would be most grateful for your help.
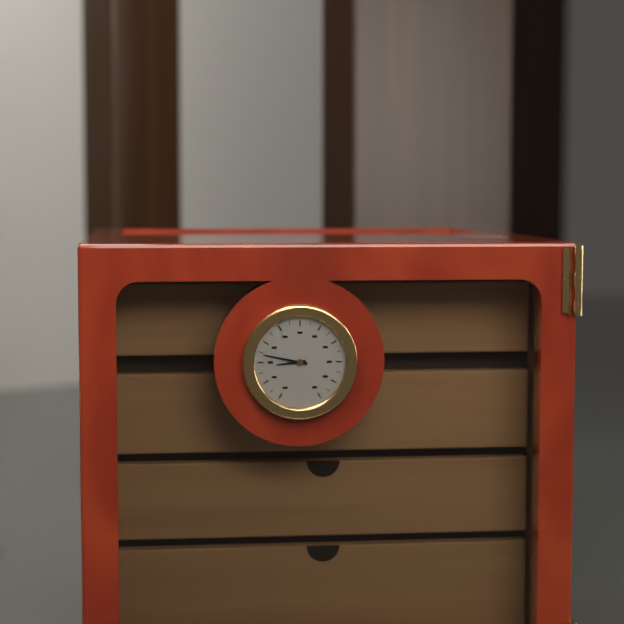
8:47
